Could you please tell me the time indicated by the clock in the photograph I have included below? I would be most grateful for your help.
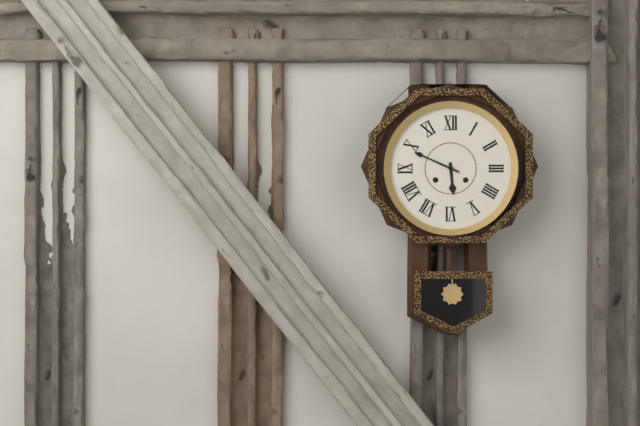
5:49
